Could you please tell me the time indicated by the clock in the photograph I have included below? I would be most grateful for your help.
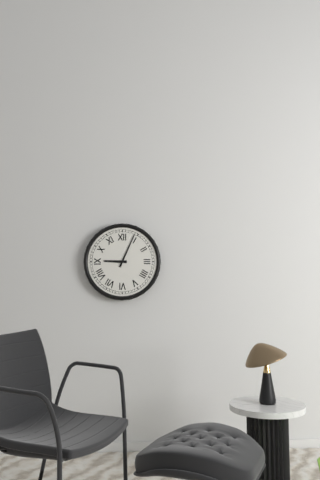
9:04
